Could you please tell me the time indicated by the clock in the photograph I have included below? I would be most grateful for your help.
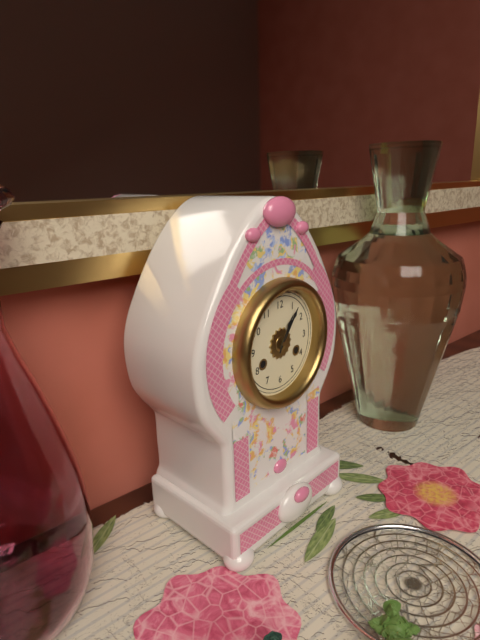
1:06
